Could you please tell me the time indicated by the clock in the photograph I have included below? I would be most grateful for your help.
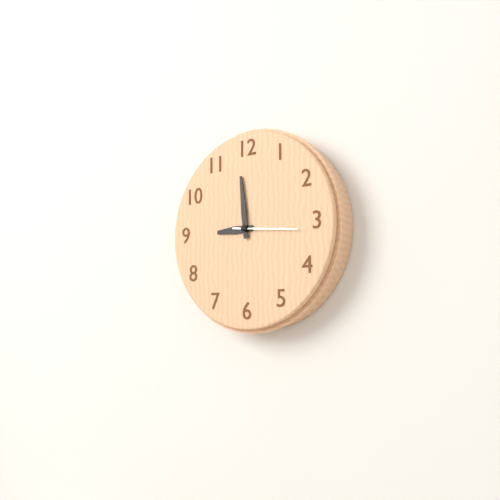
8:59:16
